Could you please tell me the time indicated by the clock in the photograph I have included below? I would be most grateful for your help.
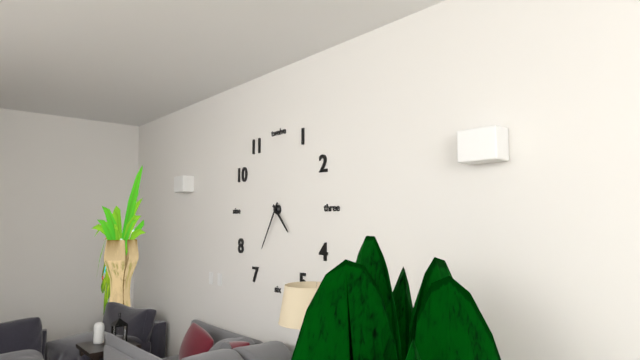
4:35
